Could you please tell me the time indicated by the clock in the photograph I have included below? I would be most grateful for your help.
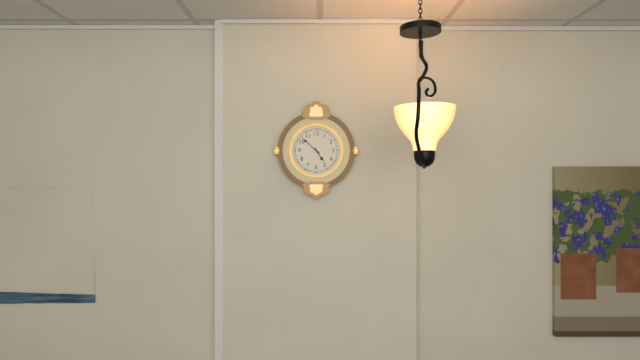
4:52
